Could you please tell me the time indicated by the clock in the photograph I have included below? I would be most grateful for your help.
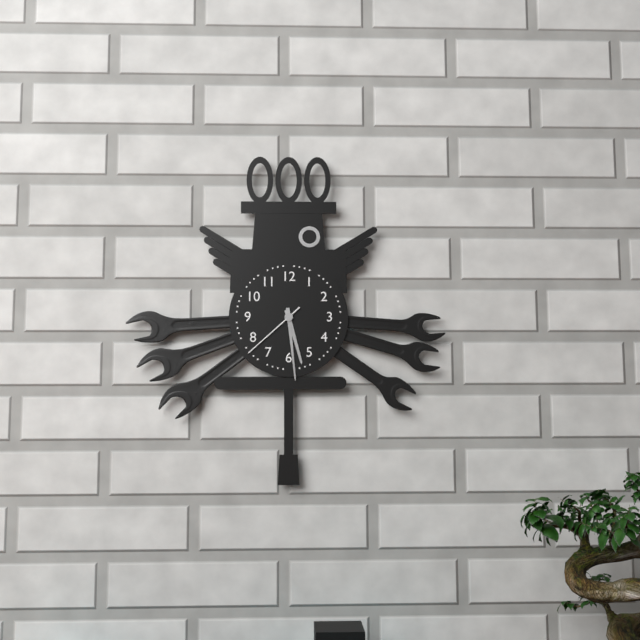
5:29:38
